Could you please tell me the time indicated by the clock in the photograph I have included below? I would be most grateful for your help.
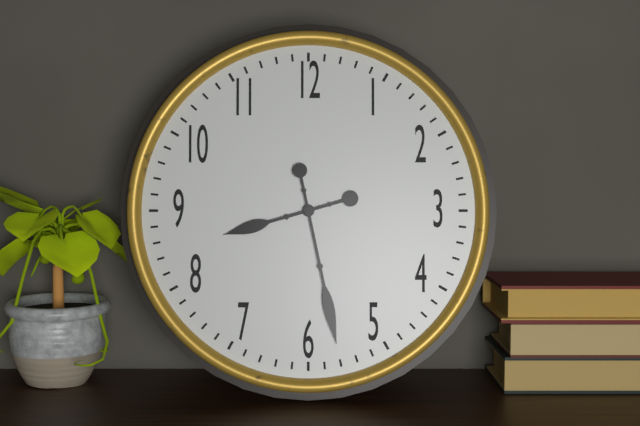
8:28
